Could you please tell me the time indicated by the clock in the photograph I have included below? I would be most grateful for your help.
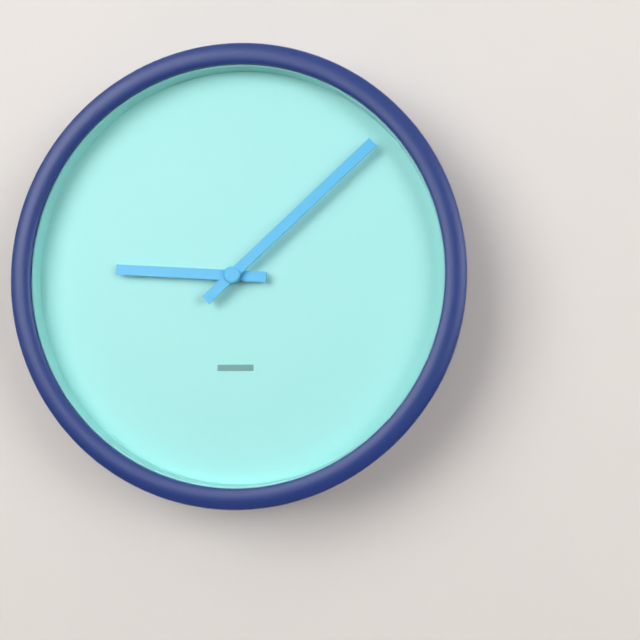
9:08
